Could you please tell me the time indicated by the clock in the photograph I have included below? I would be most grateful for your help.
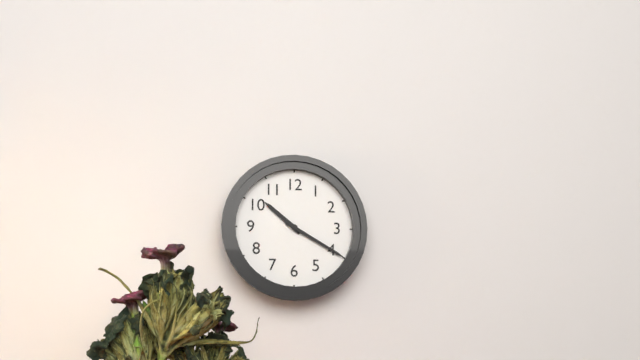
10:20
